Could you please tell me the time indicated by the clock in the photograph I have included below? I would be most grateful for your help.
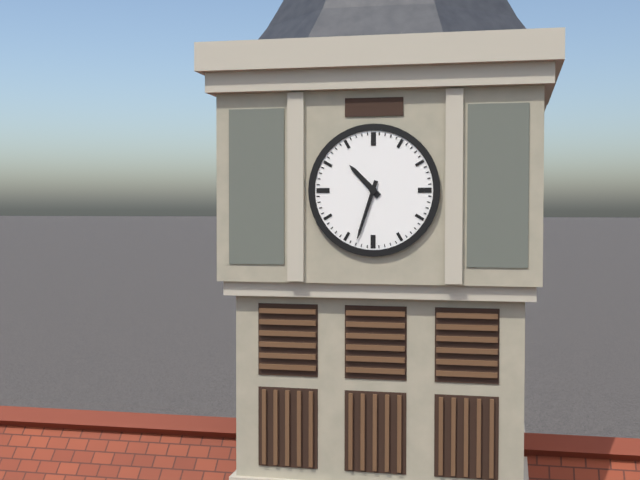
10:33
